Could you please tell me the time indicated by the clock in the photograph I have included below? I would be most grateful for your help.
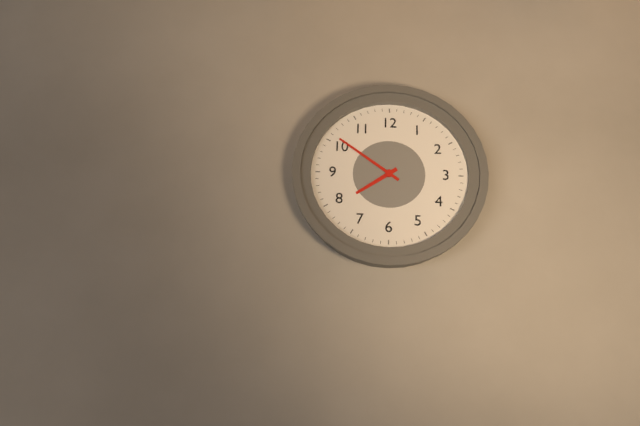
7:51
